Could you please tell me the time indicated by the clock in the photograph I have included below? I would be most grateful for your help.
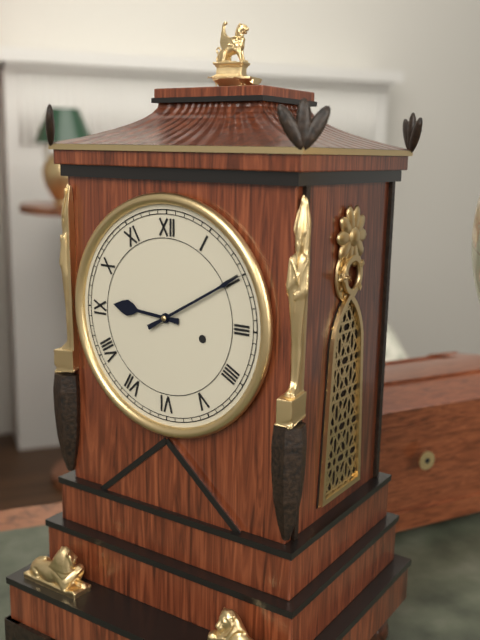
9:10
